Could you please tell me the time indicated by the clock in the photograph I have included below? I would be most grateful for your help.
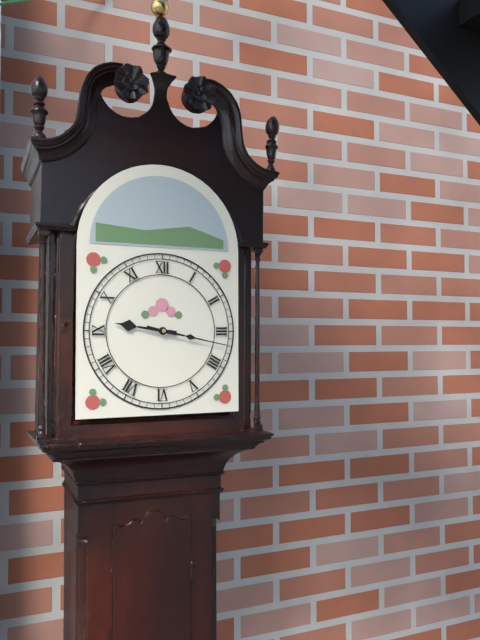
9:17
